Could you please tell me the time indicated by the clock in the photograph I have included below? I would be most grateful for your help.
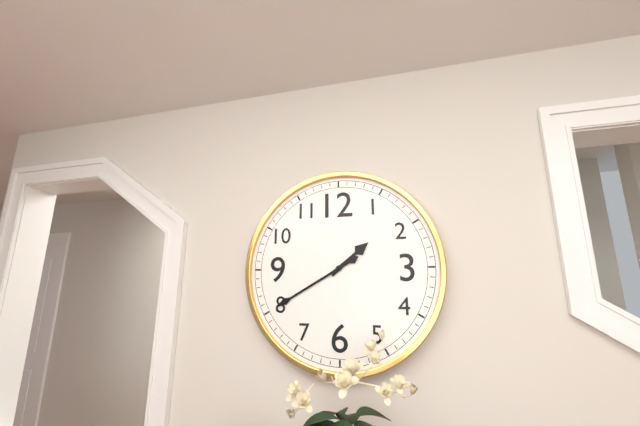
1:40
